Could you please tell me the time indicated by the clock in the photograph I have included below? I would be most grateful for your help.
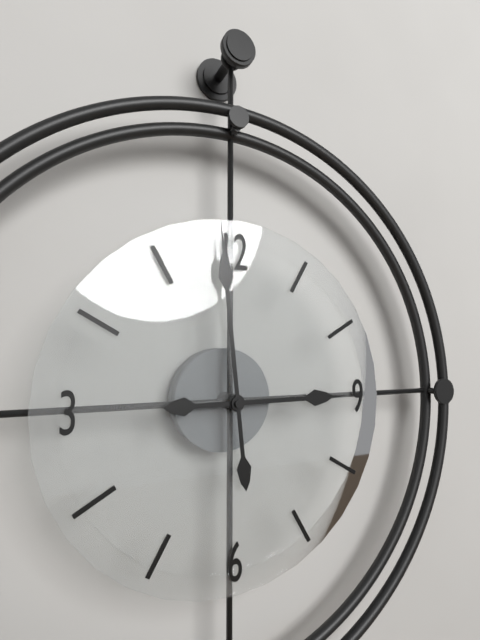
2:59
